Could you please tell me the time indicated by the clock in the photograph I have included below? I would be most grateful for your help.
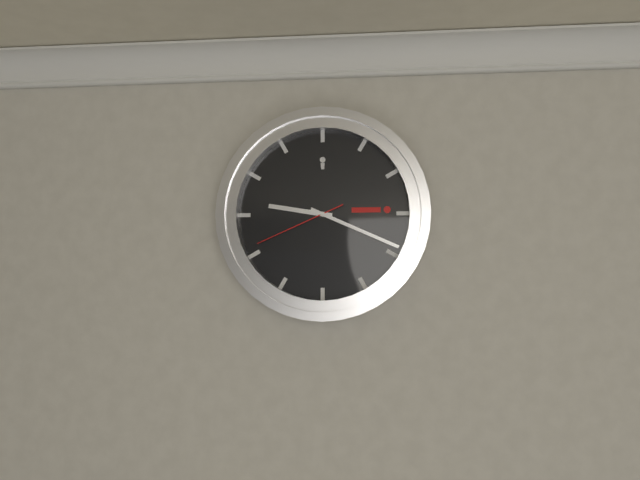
9:19:41
